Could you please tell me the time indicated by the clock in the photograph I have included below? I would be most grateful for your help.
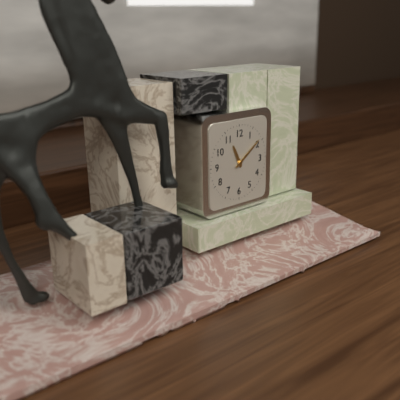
11:09
